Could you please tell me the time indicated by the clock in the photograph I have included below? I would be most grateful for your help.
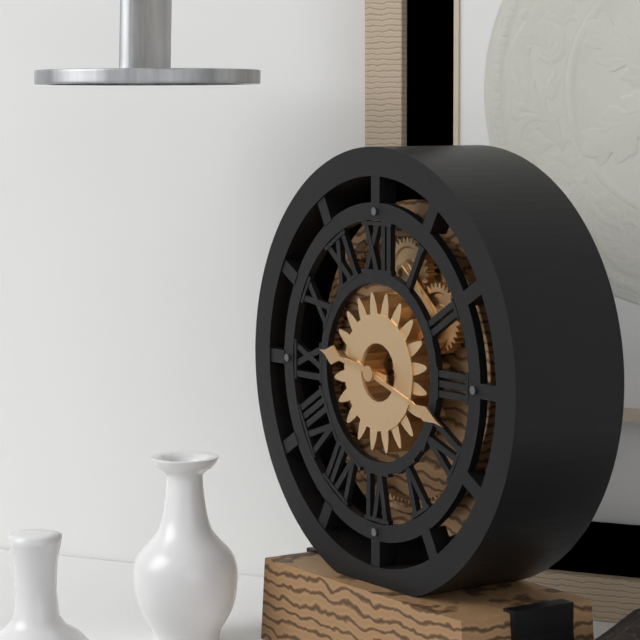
9:18
